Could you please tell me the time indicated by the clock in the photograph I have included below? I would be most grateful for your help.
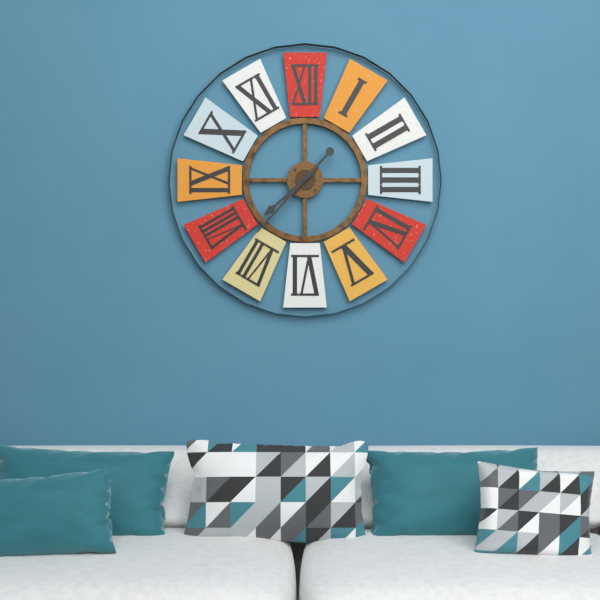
7:37
